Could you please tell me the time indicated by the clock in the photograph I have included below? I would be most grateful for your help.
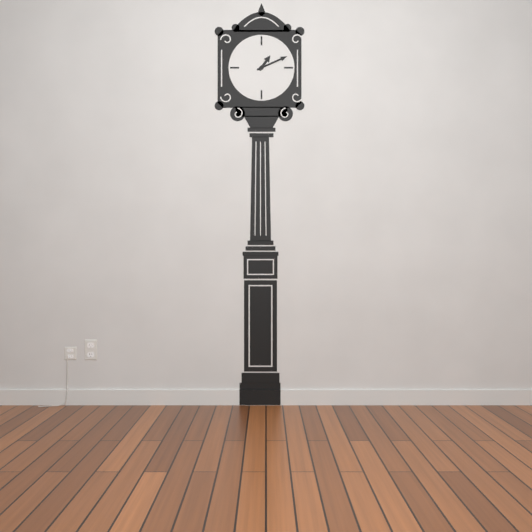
1:11
